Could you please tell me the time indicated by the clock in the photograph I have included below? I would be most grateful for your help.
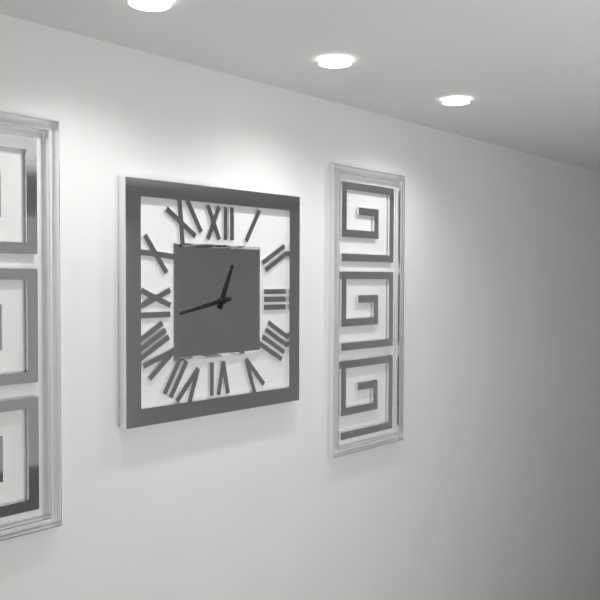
12:43
